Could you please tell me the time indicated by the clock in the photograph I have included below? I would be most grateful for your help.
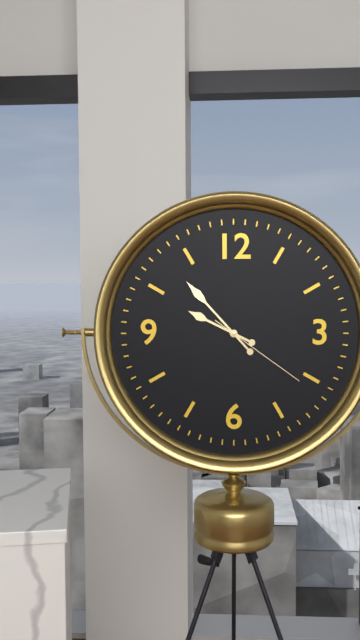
9:53:21
